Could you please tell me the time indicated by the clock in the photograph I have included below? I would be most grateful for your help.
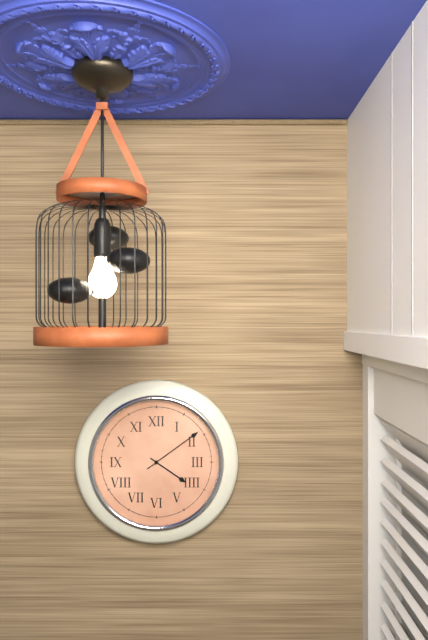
4:09
